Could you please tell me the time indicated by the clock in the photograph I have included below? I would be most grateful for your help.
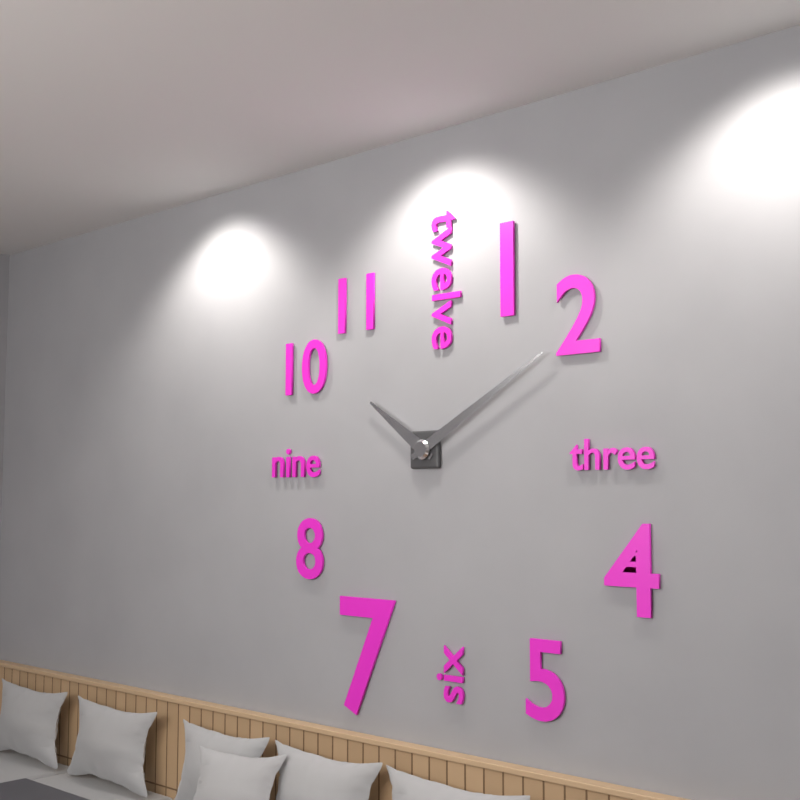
10:10
